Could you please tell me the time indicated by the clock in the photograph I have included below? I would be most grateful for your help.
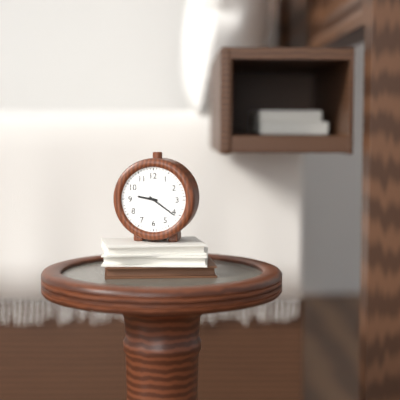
9:21
